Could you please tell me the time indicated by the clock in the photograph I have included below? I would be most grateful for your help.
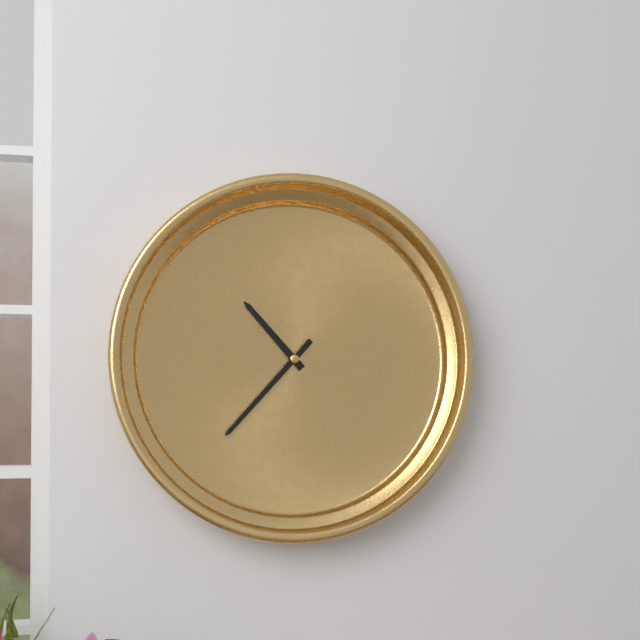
10:37
